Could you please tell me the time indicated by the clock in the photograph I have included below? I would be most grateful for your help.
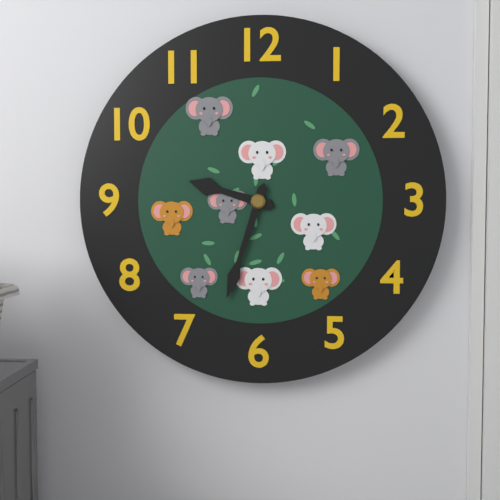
9:33
